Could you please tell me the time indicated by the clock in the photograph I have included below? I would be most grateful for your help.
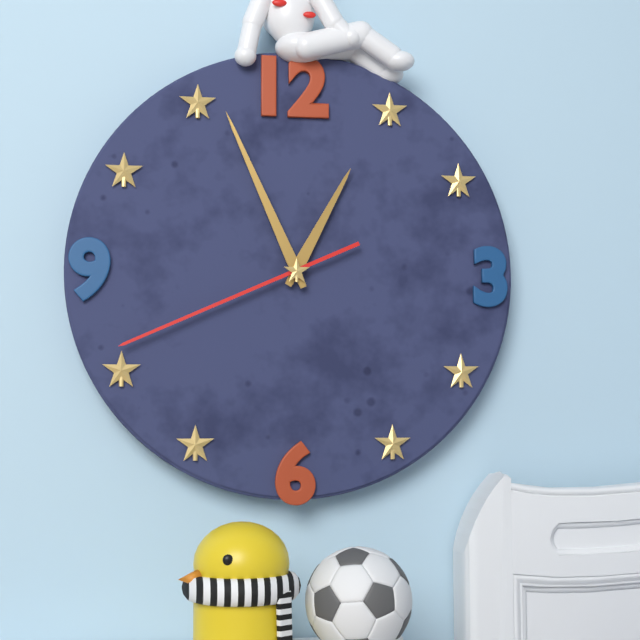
12:56:41
